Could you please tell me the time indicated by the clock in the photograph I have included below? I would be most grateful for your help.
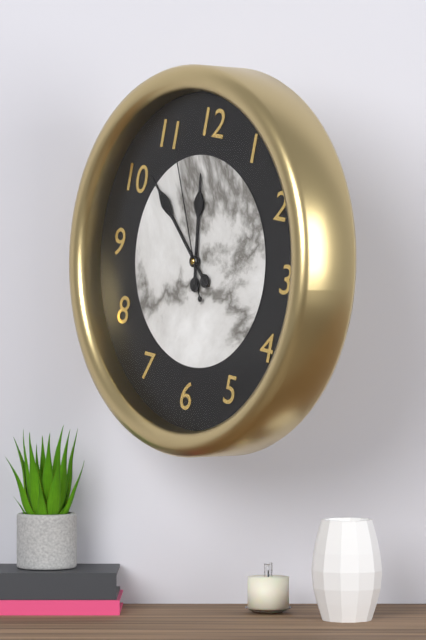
11:52:56
